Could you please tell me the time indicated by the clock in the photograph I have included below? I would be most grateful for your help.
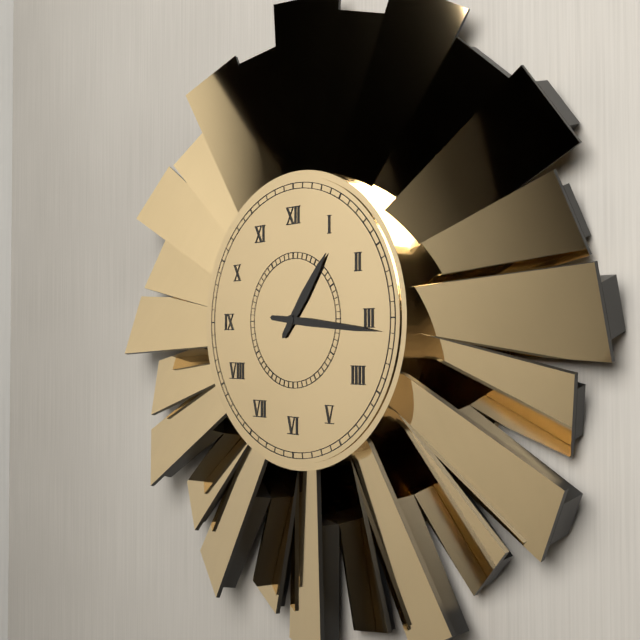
1:16
